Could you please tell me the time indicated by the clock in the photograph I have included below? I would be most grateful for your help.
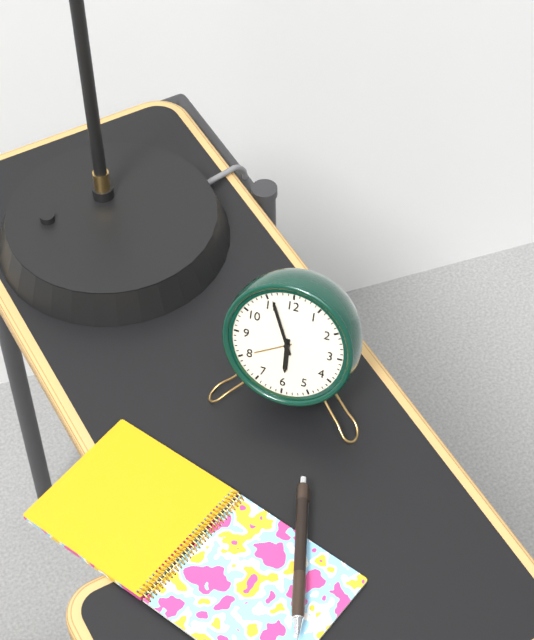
5:56
